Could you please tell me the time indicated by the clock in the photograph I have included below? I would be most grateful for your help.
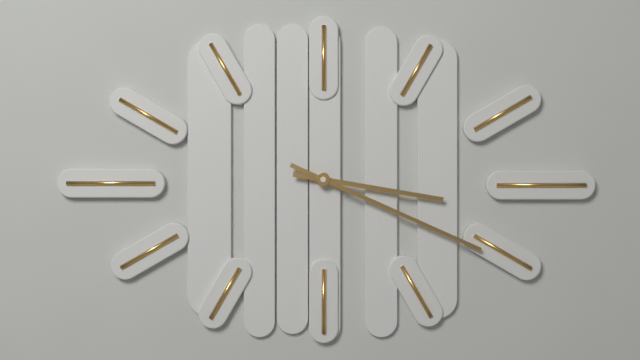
3:19
